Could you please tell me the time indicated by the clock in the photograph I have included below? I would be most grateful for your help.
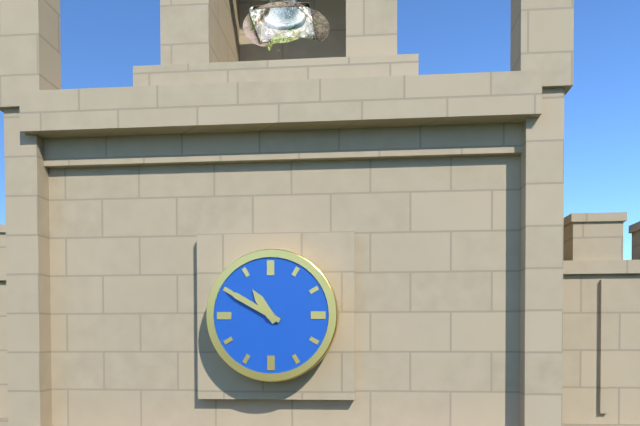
10:50
